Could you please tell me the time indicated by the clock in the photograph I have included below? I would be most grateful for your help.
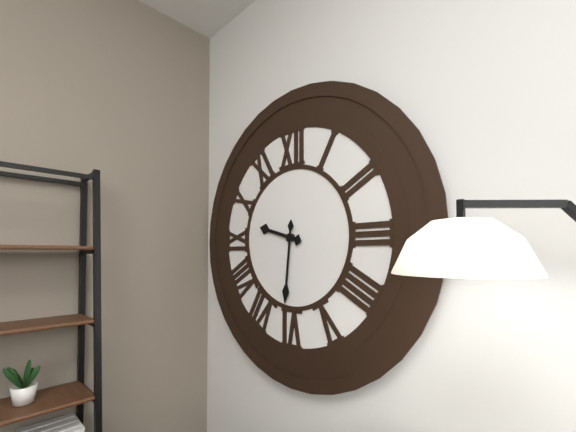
9:31
